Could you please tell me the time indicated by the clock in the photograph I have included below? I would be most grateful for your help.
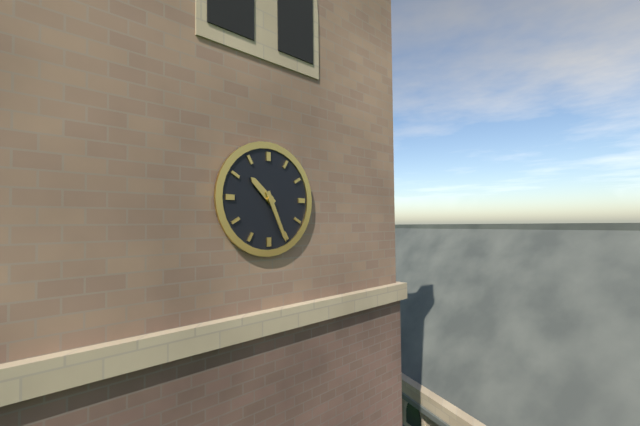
10:26
